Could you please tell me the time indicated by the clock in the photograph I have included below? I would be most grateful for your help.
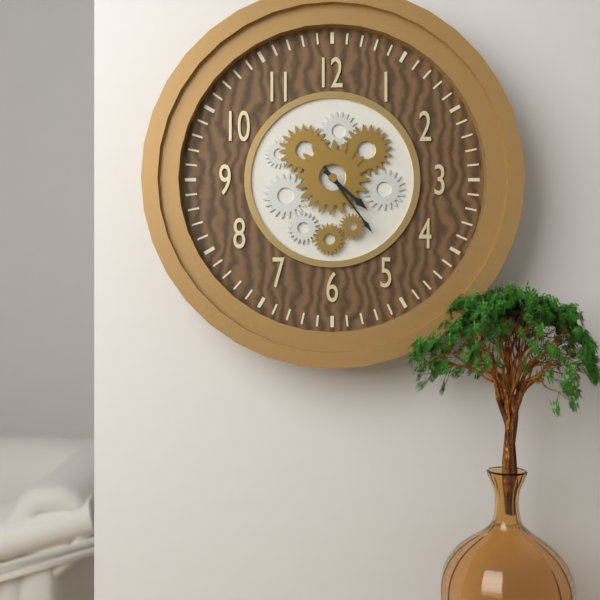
4:24
